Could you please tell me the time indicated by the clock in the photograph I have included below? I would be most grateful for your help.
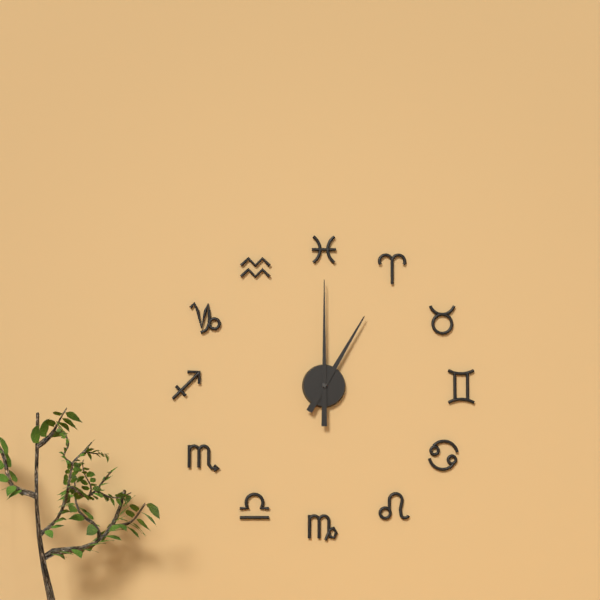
1:00
